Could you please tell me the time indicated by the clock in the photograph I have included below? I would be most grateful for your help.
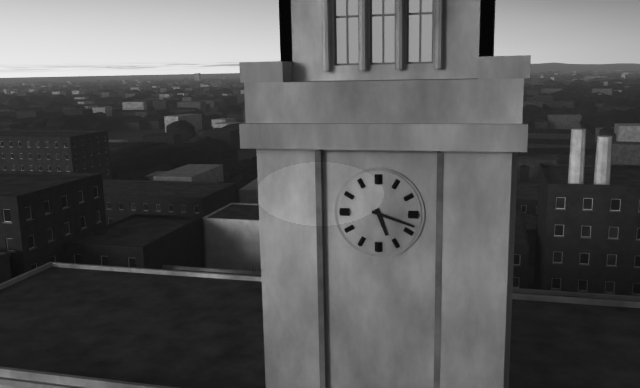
5:18
